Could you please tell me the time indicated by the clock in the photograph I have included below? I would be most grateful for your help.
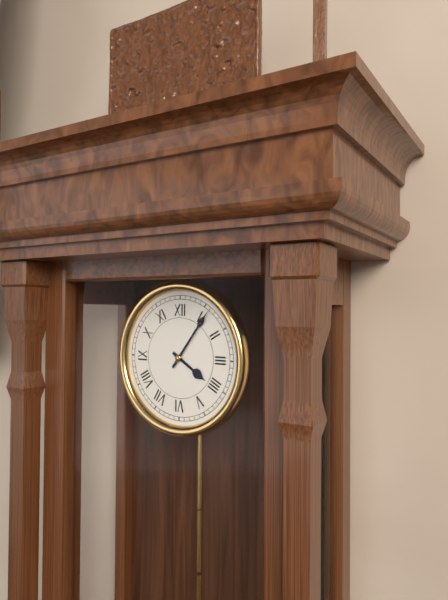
4:06
